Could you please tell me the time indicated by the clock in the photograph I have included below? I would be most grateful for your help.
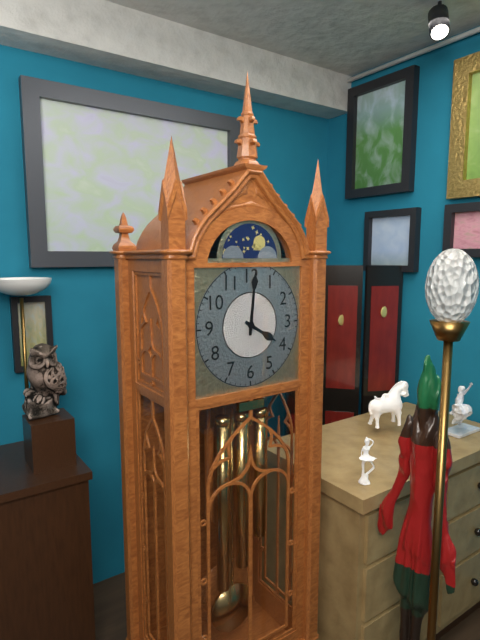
4:01
